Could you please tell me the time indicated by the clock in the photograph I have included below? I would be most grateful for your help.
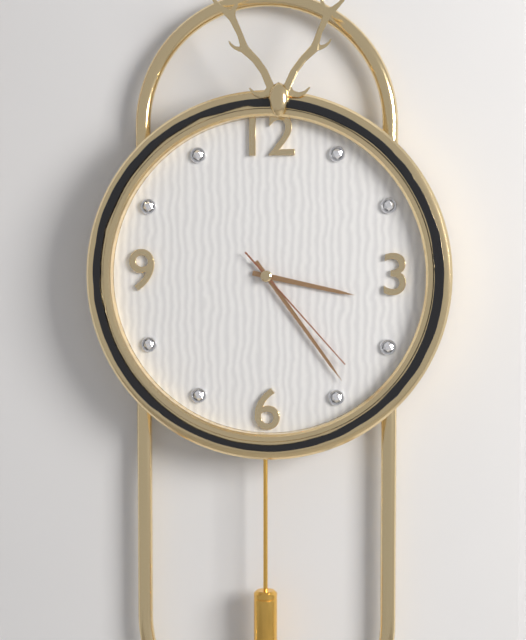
3:24:23
